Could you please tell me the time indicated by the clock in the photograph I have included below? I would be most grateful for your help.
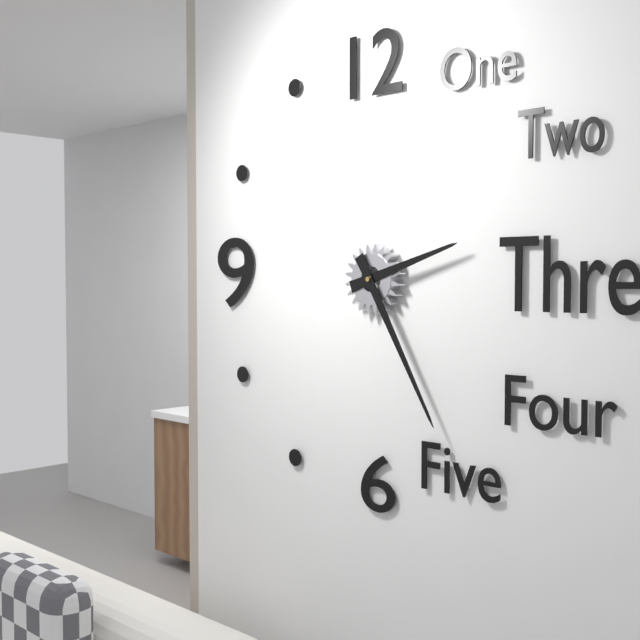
2:25
